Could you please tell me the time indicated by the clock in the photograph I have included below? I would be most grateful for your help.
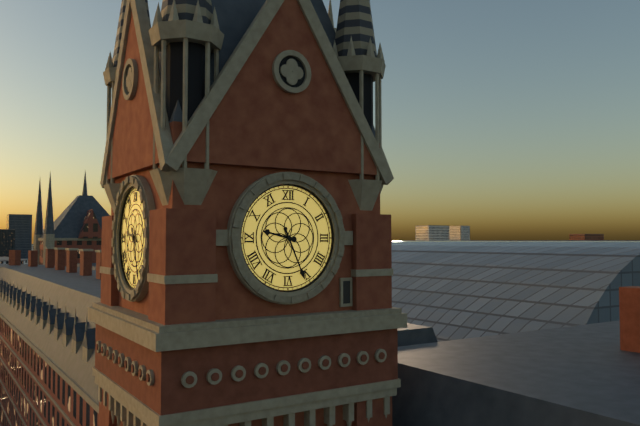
9:26
